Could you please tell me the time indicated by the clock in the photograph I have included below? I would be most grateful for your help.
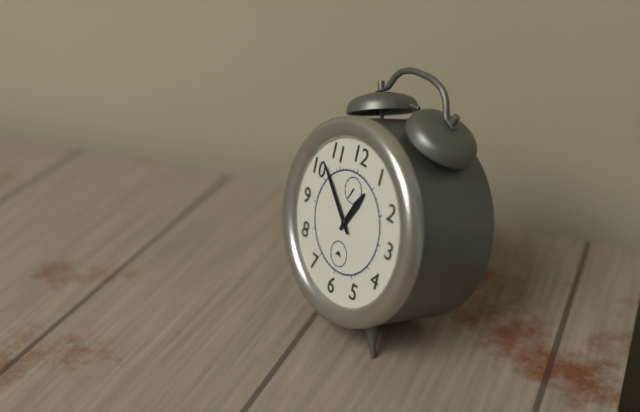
12:52
